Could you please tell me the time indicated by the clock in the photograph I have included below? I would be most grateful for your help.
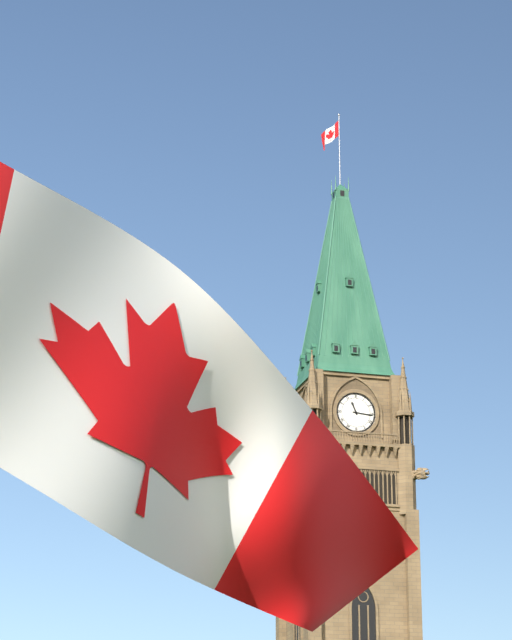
11:16
